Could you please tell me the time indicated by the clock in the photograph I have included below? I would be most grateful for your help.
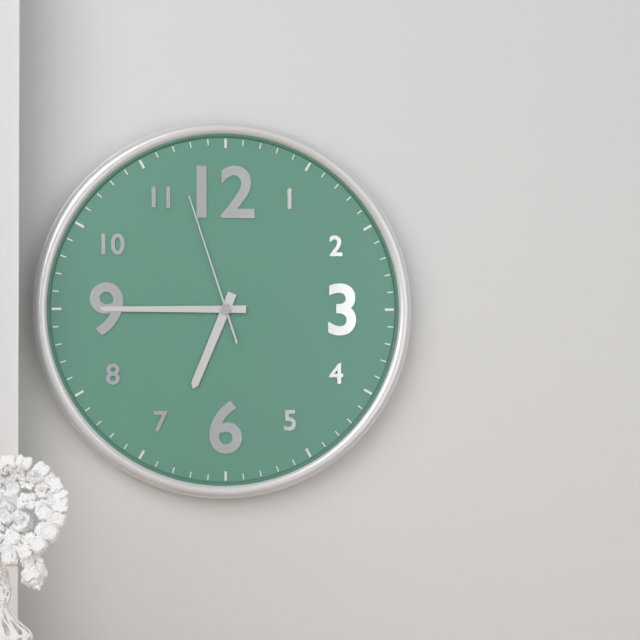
6:45:57
